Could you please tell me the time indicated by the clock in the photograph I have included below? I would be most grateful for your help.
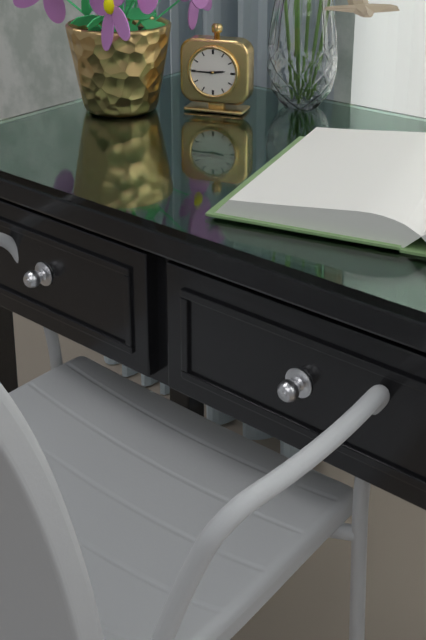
2:45
